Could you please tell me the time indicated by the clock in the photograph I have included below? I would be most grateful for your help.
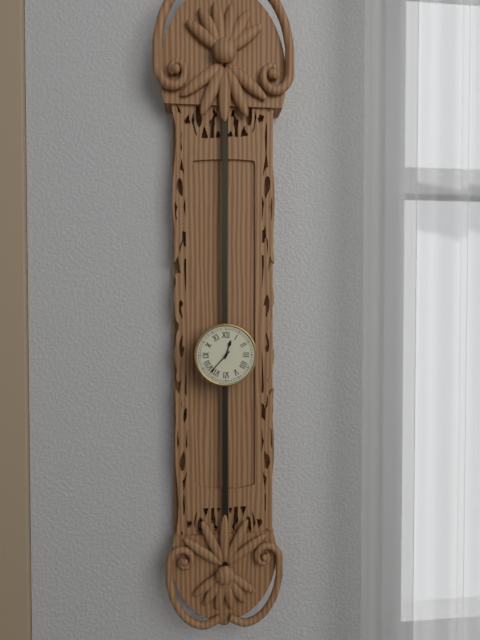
12:37
